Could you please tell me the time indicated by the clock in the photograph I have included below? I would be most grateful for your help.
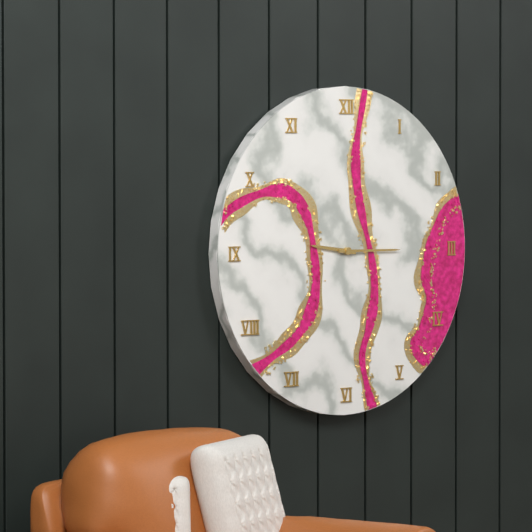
9:15
